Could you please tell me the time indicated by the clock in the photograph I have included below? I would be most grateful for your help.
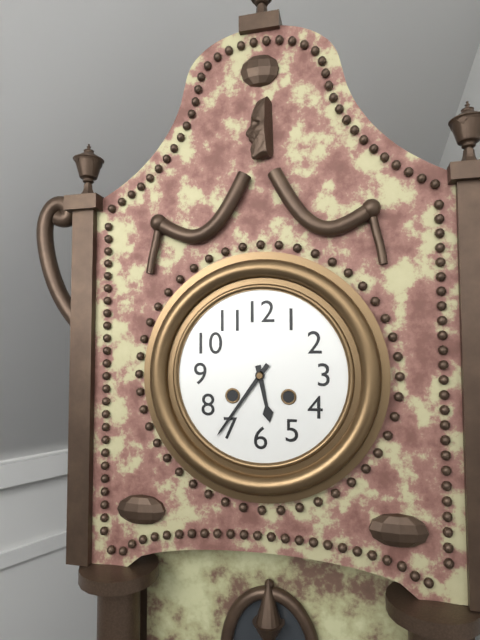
5:36
